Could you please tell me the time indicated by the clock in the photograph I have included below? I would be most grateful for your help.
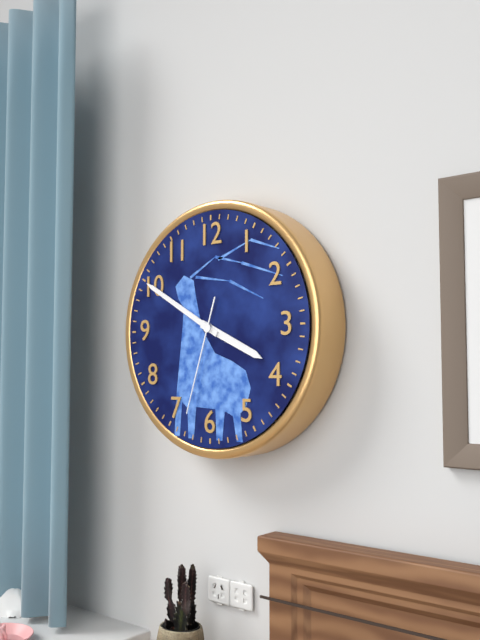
3:50:33
